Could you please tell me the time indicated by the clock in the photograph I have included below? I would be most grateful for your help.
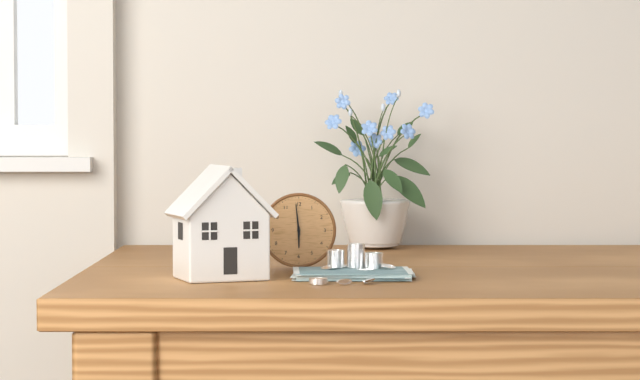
5:59
